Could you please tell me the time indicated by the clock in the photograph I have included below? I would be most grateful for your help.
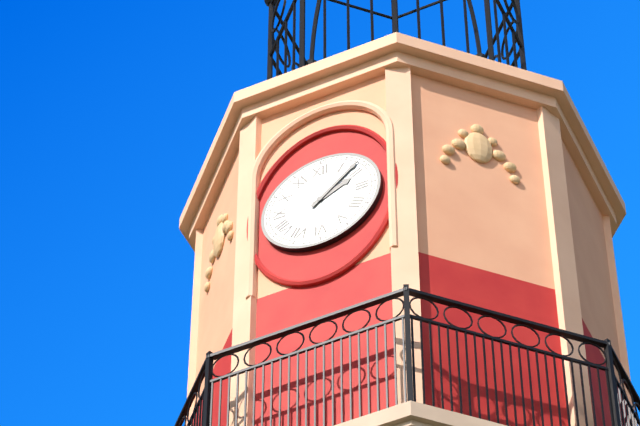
2:08
